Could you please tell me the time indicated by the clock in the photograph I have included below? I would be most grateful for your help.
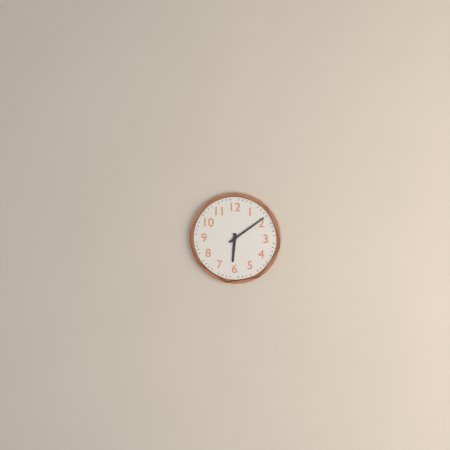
6:09
